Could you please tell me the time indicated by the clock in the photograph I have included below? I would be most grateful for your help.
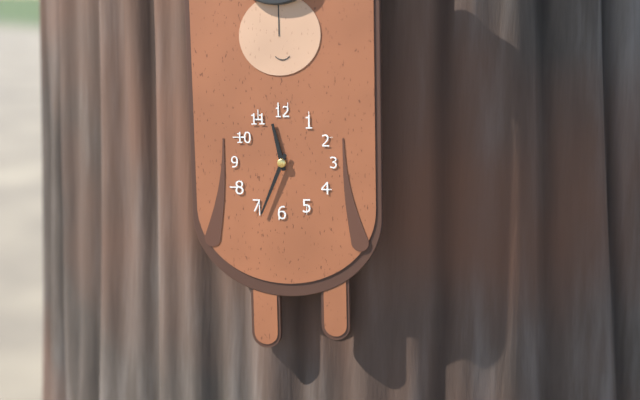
11:34
